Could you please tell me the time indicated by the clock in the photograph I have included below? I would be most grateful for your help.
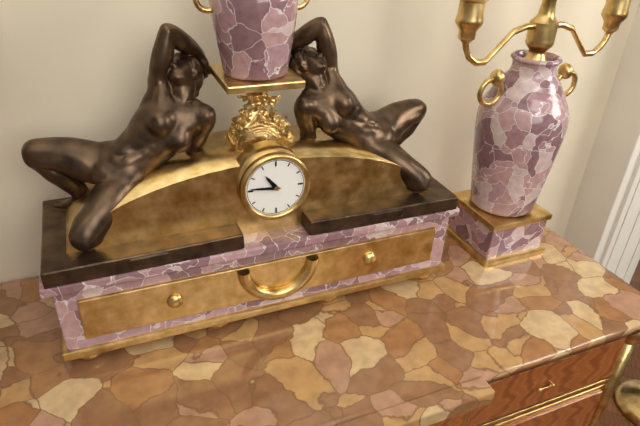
10:46
